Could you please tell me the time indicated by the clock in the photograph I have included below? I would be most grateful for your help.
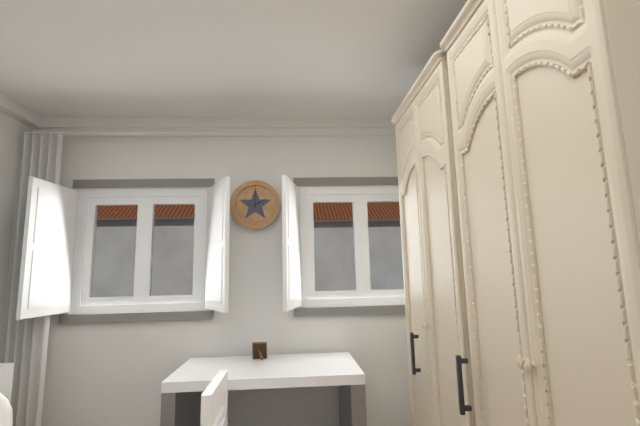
2:00
